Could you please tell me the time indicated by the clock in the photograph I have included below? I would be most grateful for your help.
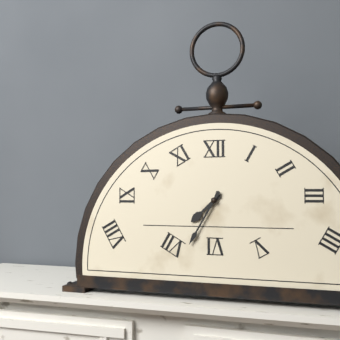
7:35
